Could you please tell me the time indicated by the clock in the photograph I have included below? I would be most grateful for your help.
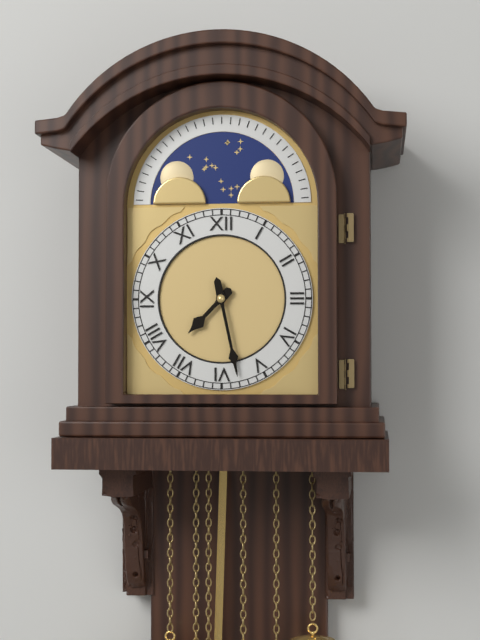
7:28
